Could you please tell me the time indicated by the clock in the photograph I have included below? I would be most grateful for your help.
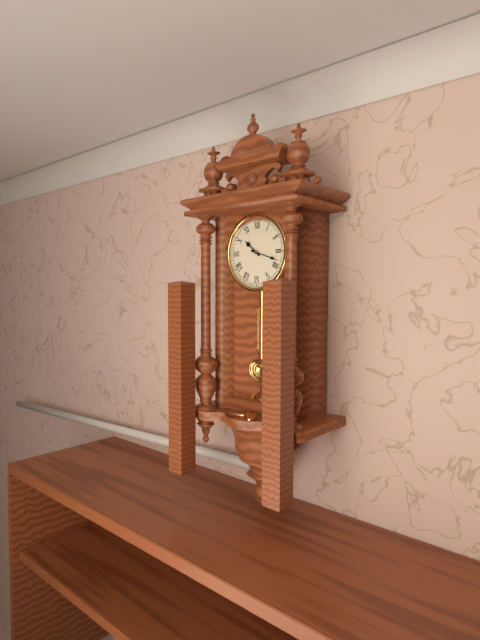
10:18
